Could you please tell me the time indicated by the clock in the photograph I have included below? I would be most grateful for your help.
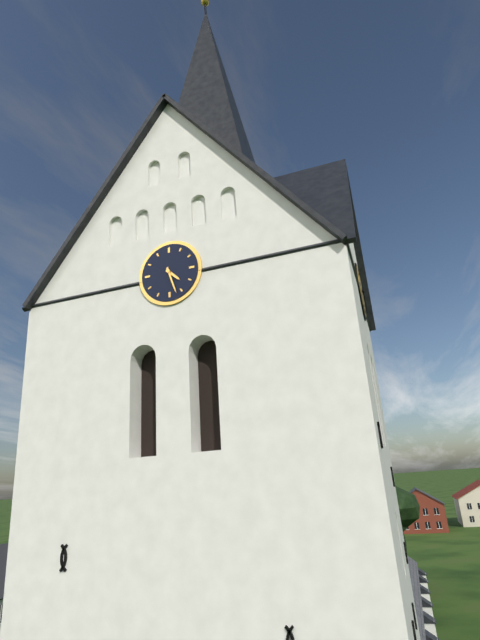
4:27
